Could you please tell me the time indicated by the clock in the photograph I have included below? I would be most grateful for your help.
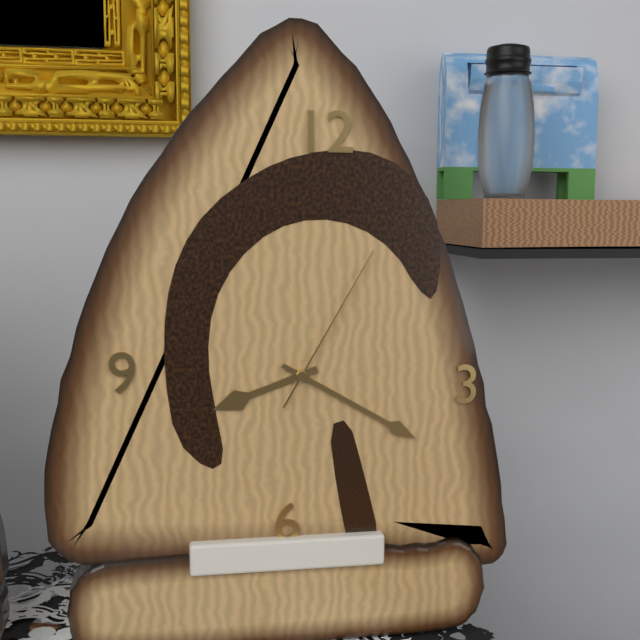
8:20:05
